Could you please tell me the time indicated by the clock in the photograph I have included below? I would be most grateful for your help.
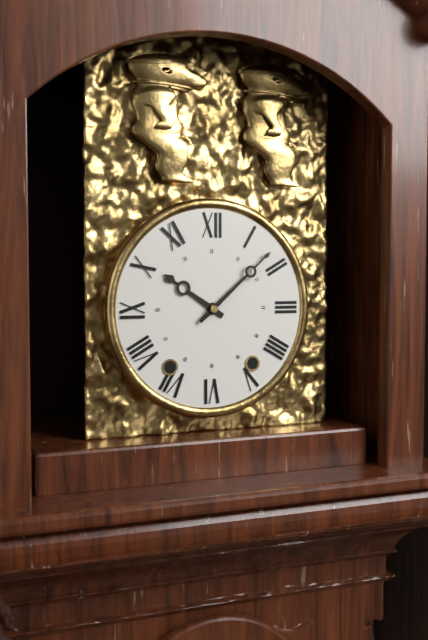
10:08
